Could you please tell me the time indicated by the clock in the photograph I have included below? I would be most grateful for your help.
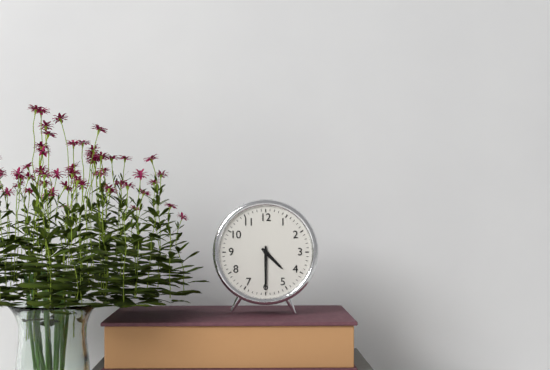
4:30
